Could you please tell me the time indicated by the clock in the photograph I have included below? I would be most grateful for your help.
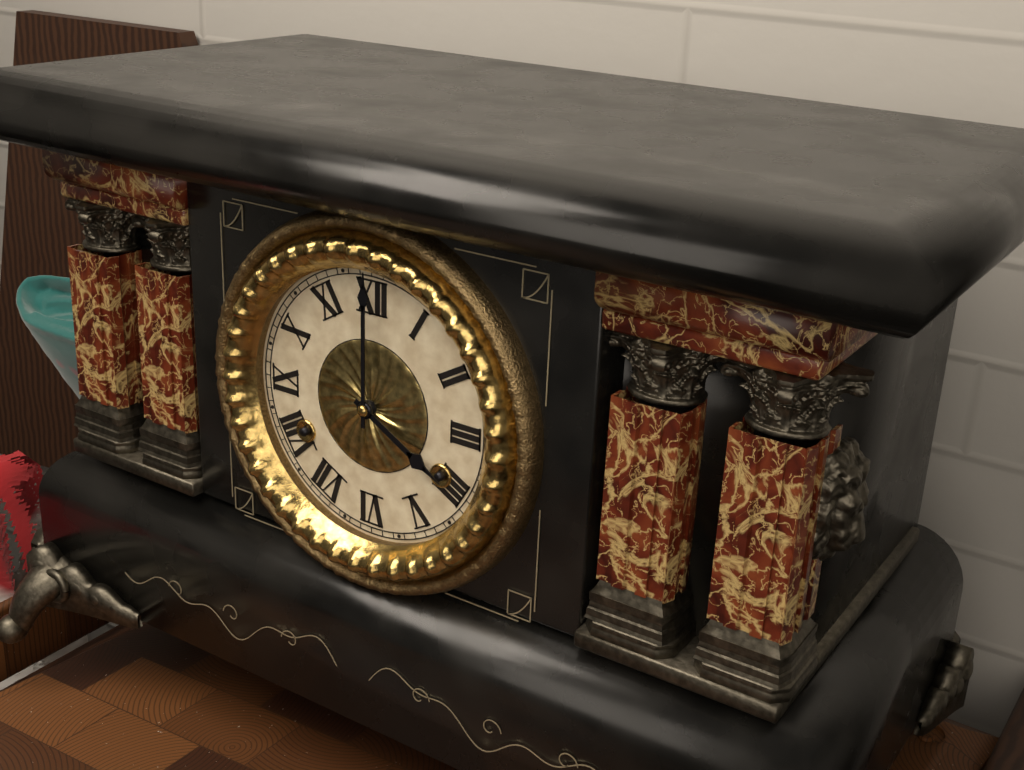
4:00
